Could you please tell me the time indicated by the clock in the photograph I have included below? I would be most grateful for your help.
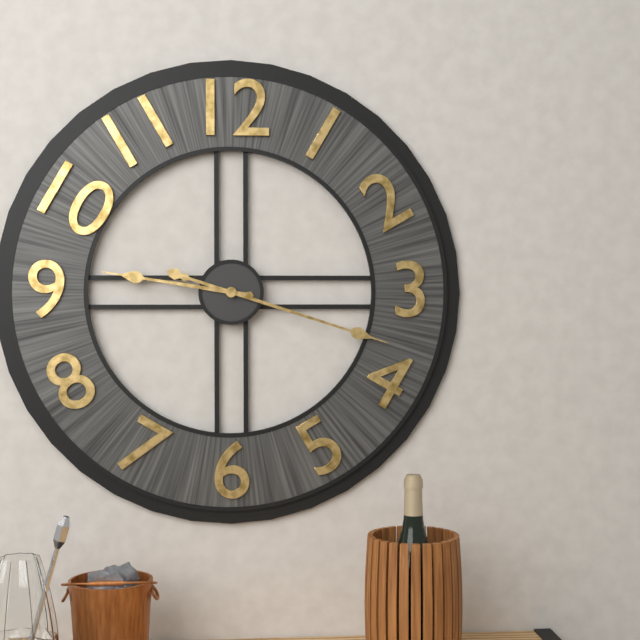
9:18
